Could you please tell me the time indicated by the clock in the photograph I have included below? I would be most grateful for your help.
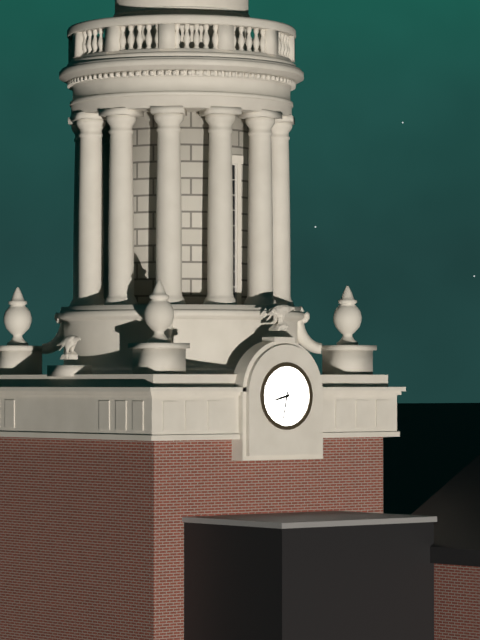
8:32
